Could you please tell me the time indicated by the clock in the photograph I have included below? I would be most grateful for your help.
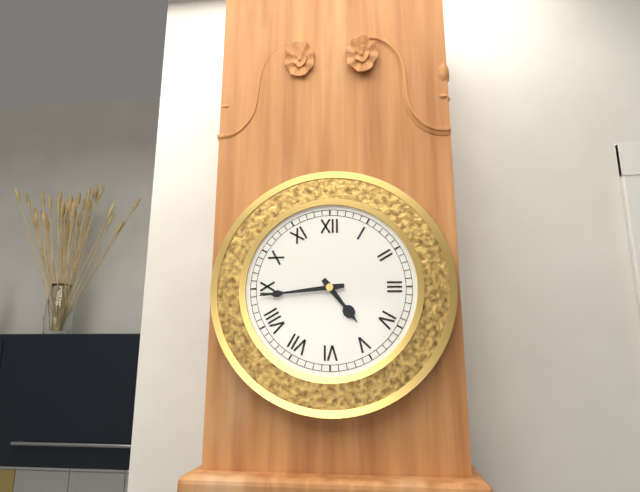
4:44
